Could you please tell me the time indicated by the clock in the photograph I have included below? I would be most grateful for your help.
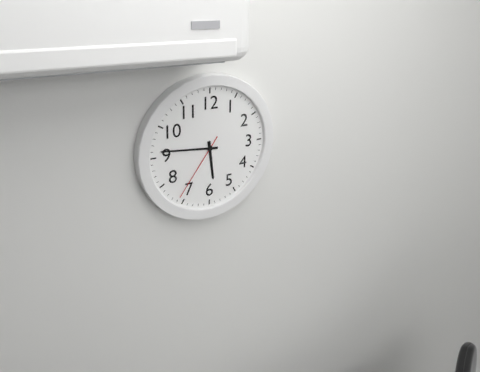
5:46:36
